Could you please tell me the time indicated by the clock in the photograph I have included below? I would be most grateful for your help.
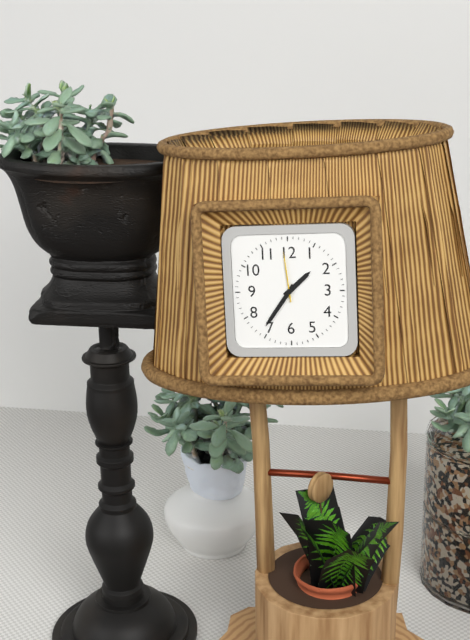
1:36:59
